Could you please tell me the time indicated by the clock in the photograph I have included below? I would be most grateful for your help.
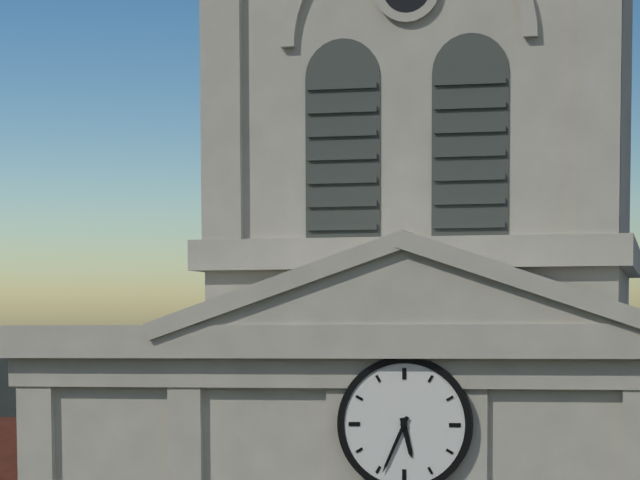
5:34
